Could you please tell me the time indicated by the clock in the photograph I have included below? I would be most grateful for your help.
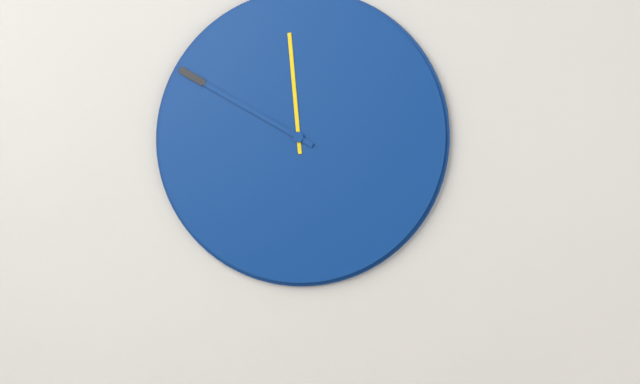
11:50
